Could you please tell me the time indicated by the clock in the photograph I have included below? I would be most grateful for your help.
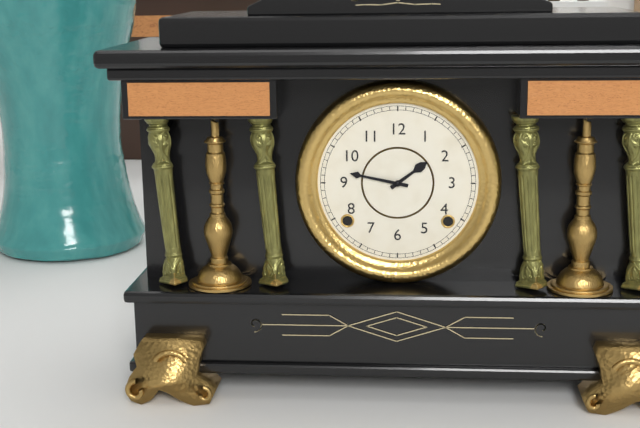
1:47
